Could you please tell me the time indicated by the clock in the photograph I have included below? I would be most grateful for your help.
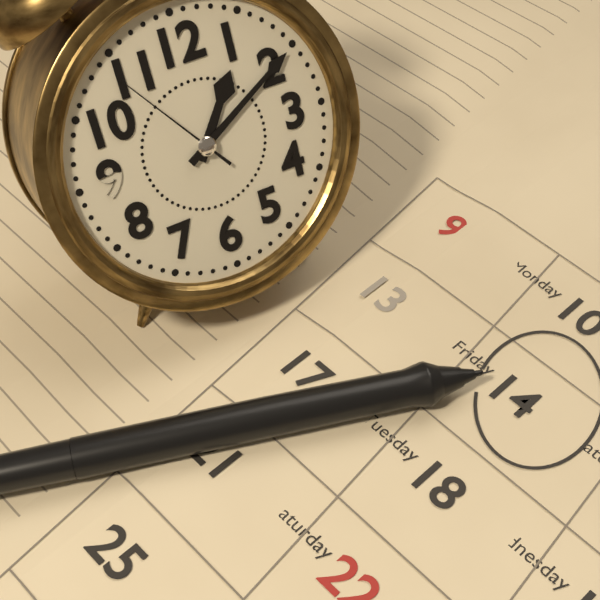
1:10:54
